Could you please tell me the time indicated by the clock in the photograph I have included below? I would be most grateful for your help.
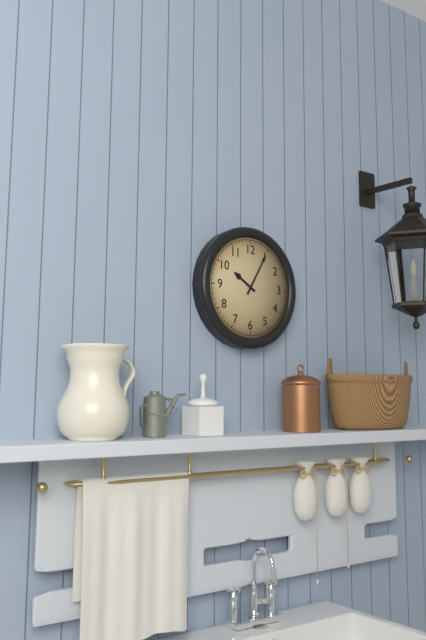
10:05
